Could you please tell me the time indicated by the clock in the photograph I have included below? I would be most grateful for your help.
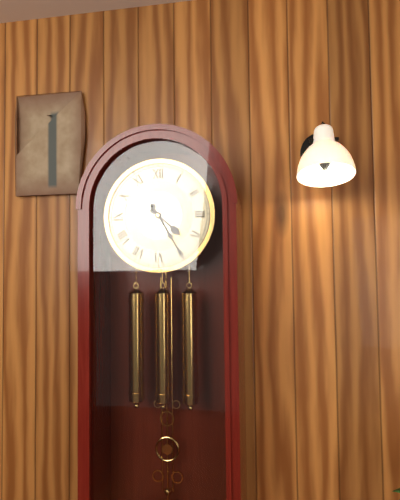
4:25
